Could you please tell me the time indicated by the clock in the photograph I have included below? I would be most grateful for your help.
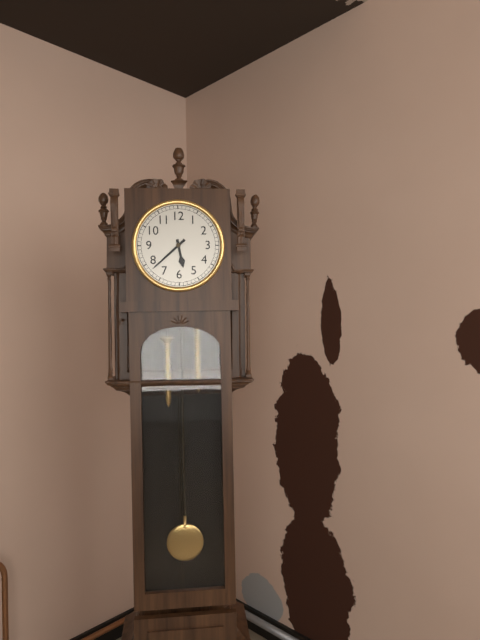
5:38
